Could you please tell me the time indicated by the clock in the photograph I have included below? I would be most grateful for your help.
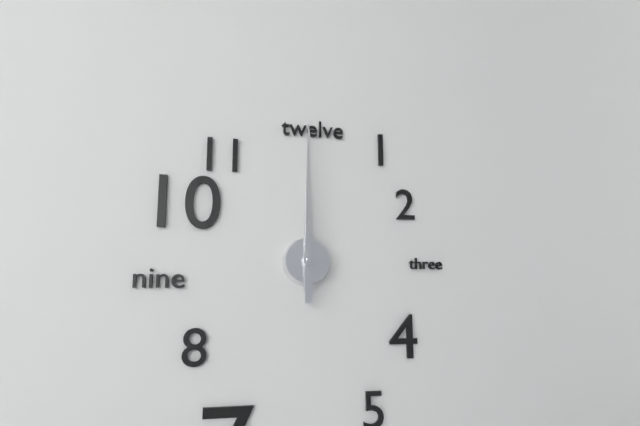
12:00
